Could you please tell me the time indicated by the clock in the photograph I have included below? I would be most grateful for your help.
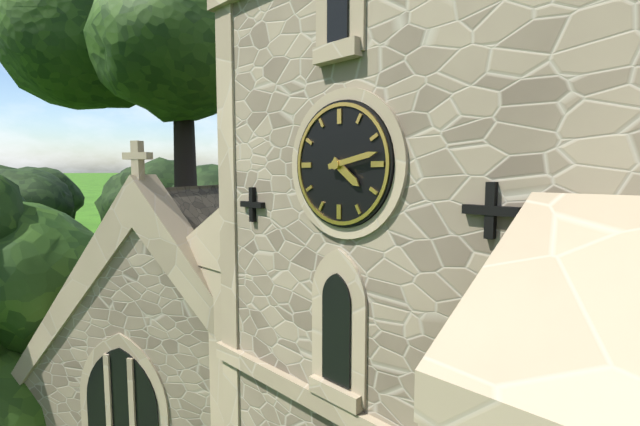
4:13
